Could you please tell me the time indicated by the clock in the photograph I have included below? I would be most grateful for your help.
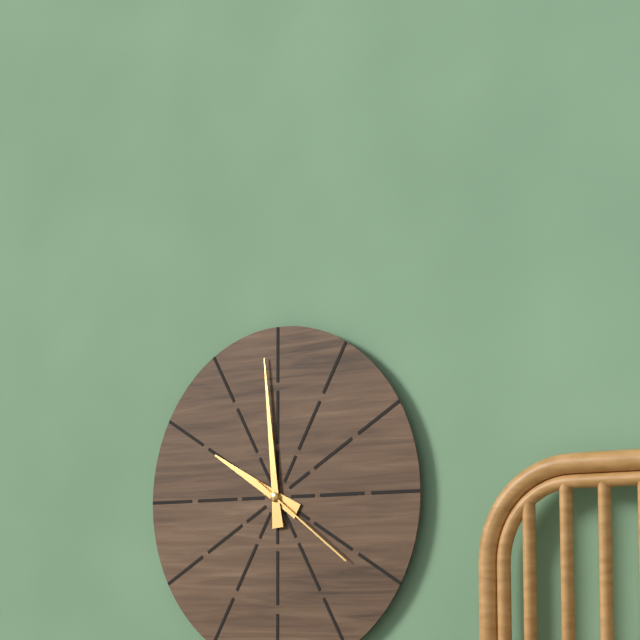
9:59:21
